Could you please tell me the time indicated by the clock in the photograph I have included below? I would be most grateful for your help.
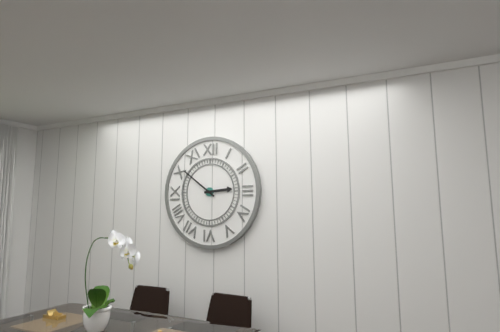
2:51
